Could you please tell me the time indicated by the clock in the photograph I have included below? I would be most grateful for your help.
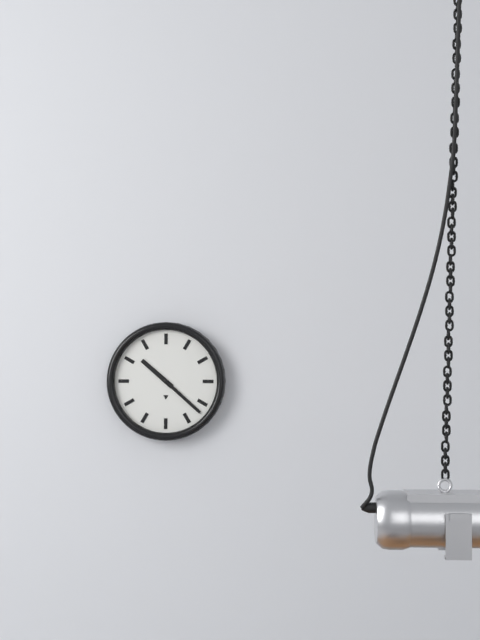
10:22
